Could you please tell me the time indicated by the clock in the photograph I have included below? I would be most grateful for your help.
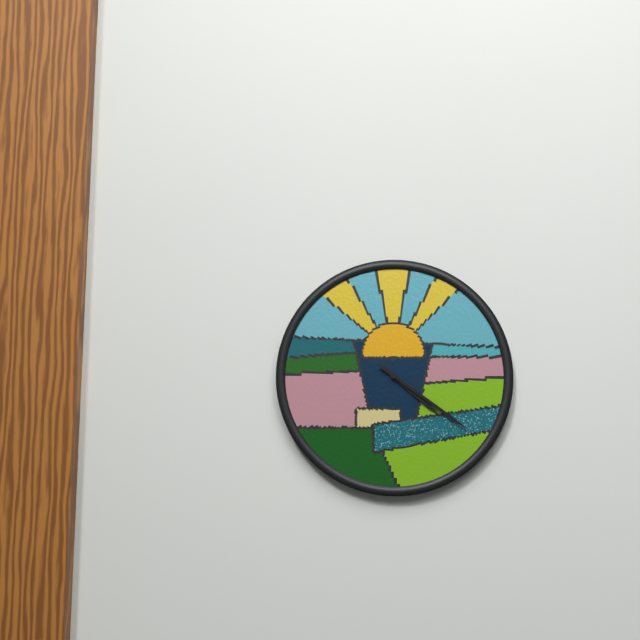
4:21
